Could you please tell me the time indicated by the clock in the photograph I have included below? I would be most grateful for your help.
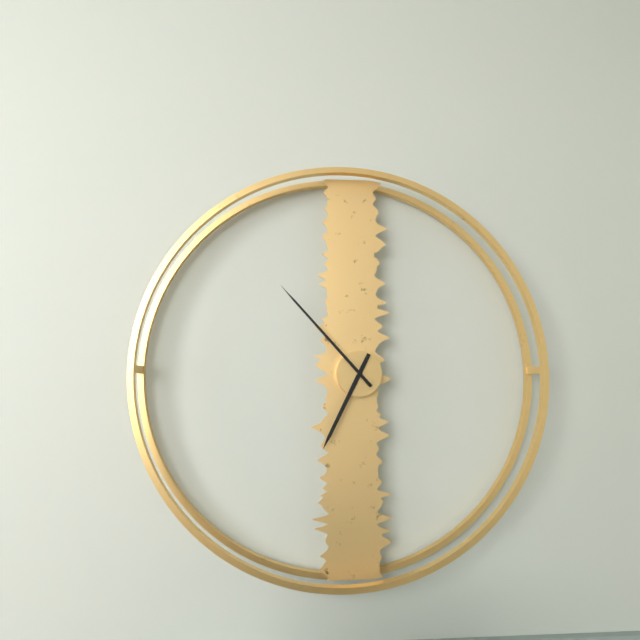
6:53
